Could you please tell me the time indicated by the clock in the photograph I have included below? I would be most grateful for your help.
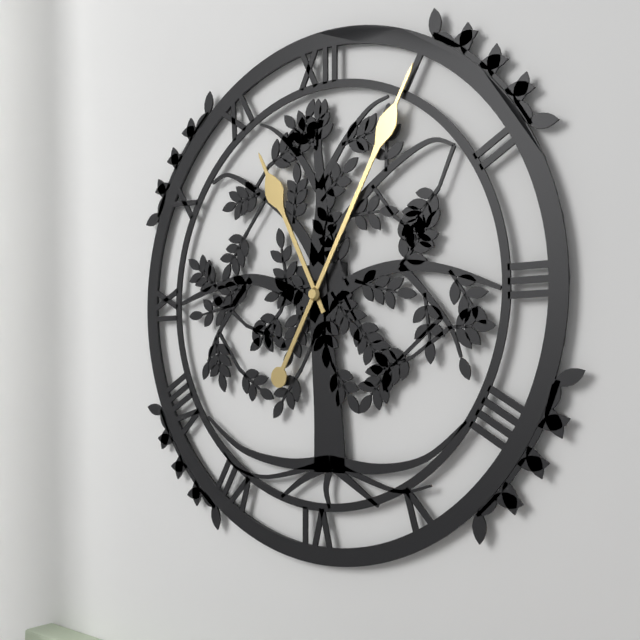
11:05
